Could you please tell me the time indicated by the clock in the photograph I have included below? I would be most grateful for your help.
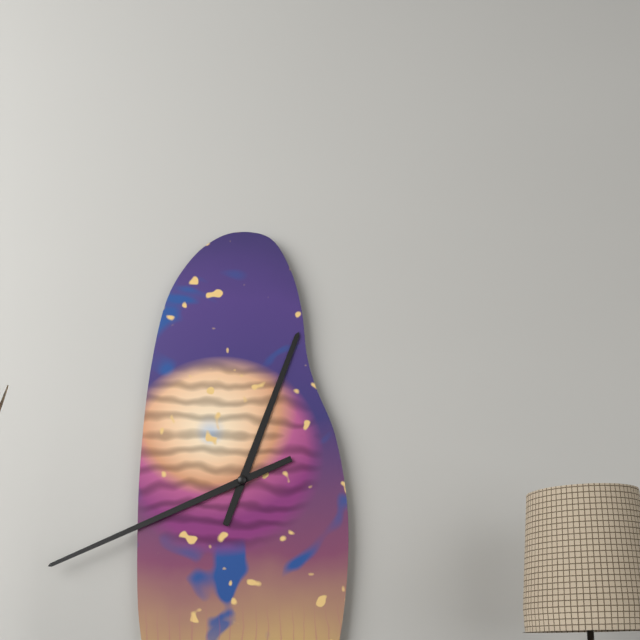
12:41
